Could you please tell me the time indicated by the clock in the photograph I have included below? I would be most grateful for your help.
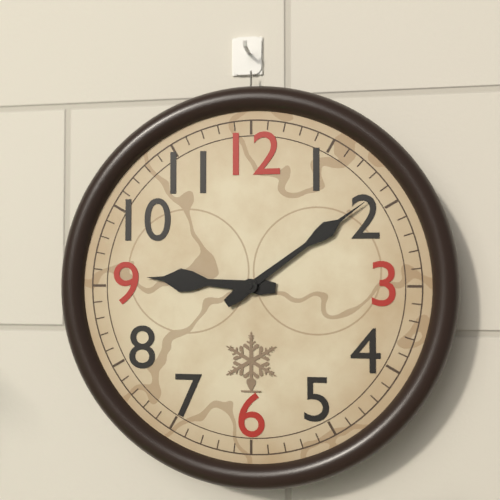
9:09
